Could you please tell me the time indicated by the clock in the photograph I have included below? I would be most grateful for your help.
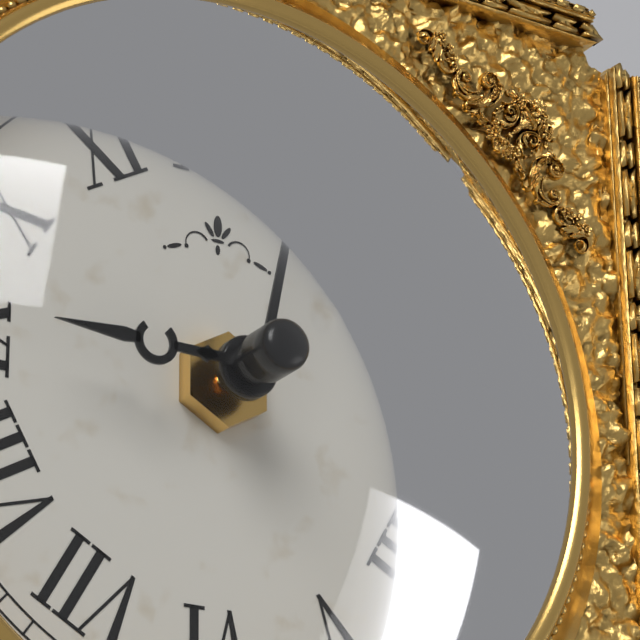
9:02
